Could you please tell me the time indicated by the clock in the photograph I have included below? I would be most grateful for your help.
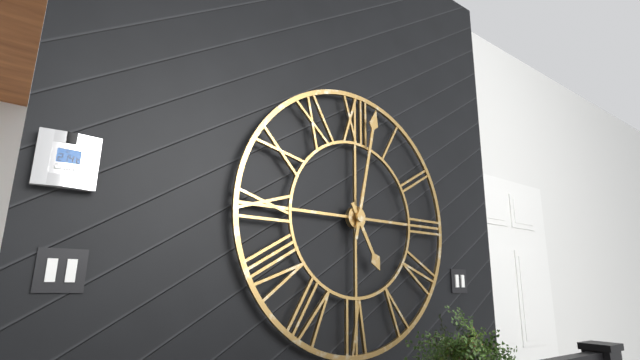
5:02
